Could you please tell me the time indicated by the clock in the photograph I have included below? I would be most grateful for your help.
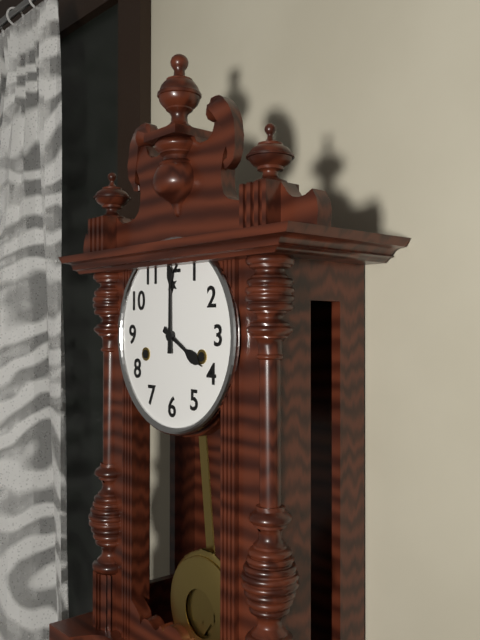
4:00
